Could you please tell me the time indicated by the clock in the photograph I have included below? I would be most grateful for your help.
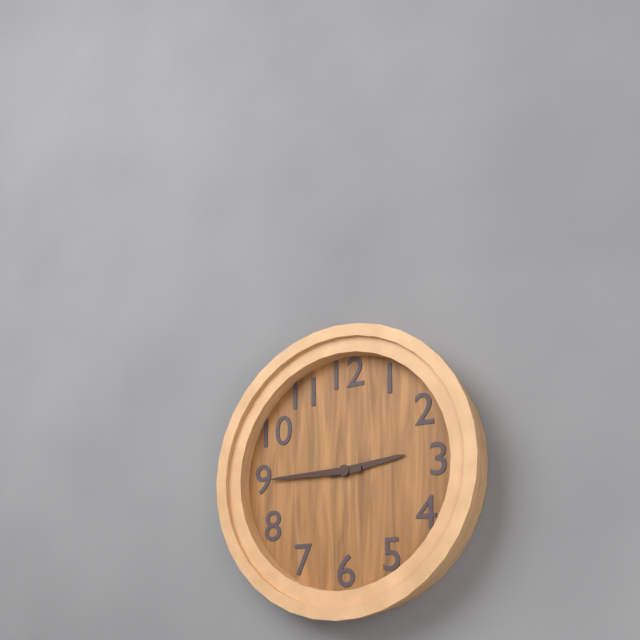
2:45
